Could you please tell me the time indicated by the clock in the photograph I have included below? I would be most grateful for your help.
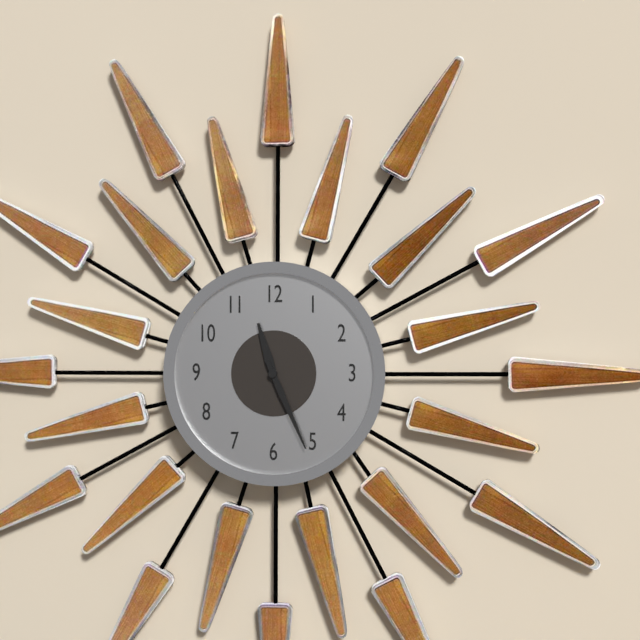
11:26
